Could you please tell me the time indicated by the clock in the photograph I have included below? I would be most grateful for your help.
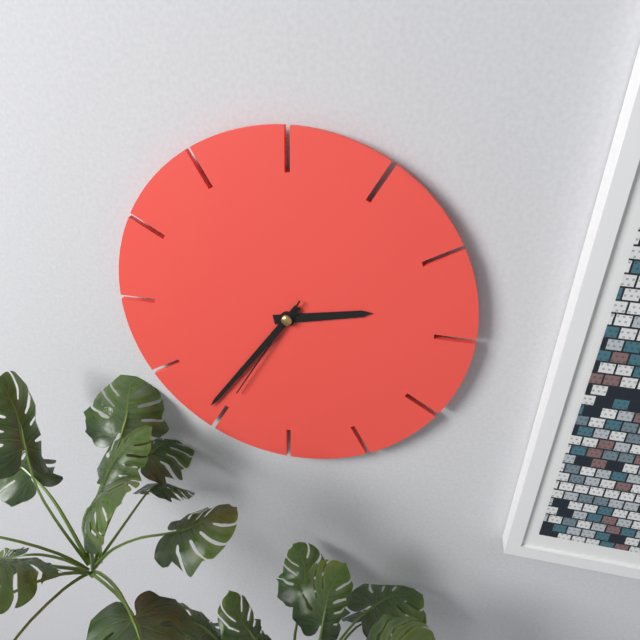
2:36:35
